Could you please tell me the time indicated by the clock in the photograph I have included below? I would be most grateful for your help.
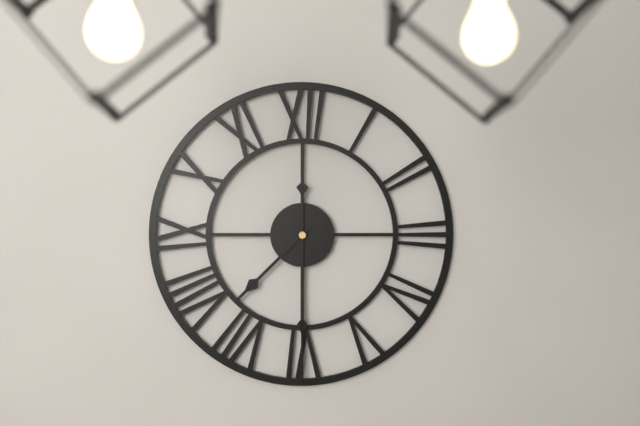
7:30
